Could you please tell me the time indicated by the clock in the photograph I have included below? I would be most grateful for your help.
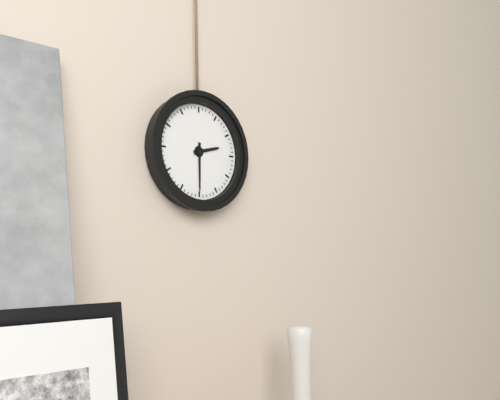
2:30
